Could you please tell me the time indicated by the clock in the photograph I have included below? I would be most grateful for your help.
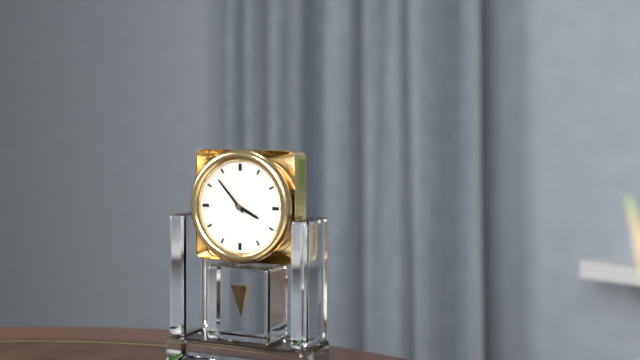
3:53
